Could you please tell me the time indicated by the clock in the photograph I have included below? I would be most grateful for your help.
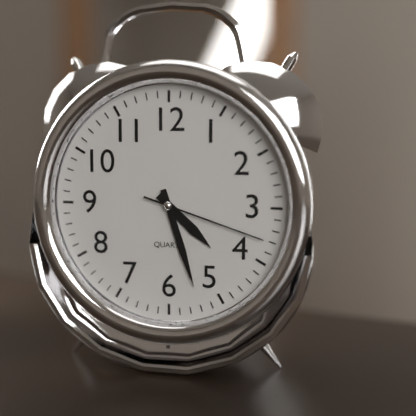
4:27:18
